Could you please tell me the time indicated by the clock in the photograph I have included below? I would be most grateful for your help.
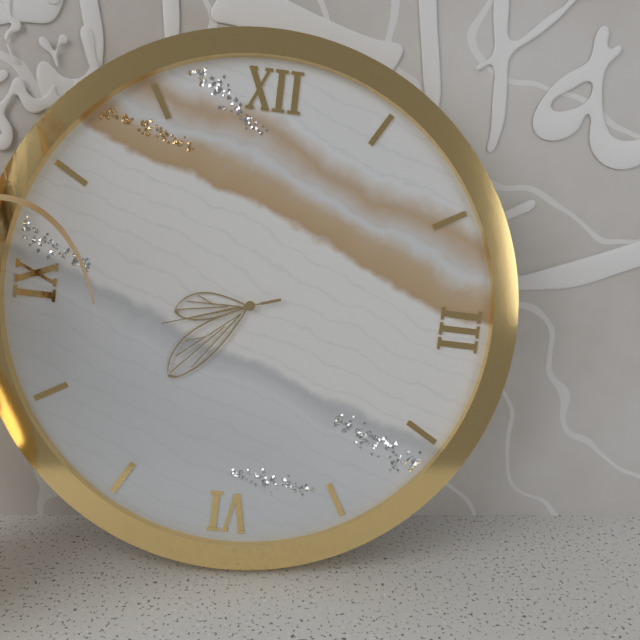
8:37:42
